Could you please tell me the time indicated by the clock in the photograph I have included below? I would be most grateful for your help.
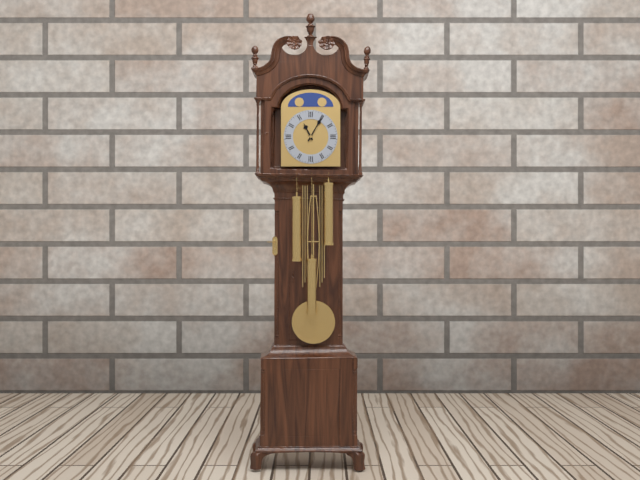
11:05
